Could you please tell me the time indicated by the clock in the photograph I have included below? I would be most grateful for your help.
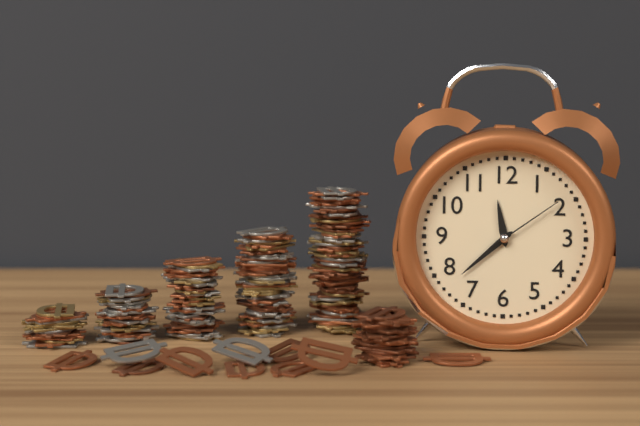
11:38:09
